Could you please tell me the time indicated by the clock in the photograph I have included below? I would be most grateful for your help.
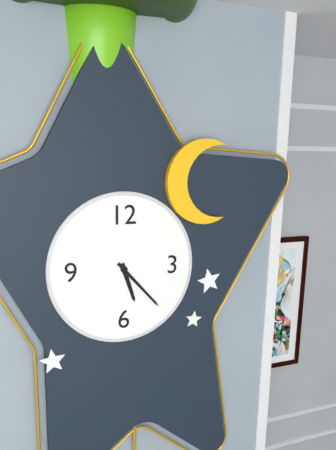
5:23
